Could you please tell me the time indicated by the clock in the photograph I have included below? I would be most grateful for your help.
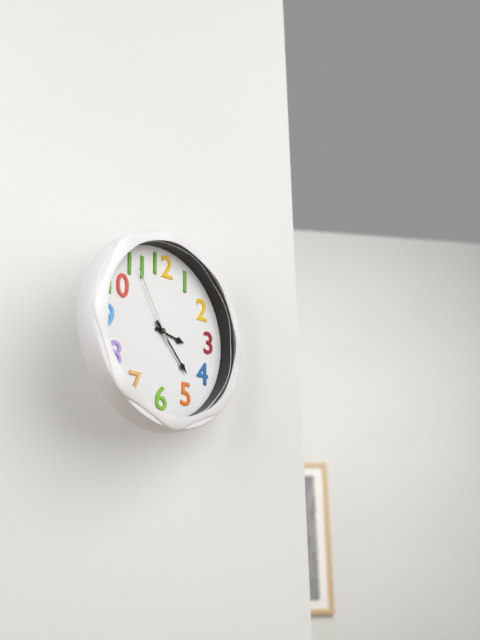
3:23:55
